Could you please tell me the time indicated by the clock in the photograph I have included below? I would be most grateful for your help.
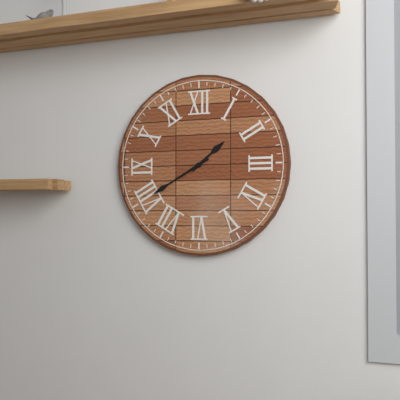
1:40
